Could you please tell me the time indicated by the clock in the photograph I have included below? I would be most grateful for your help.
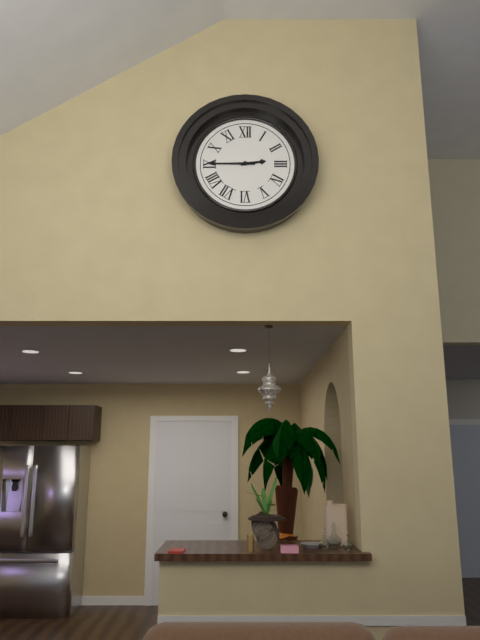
2:45
